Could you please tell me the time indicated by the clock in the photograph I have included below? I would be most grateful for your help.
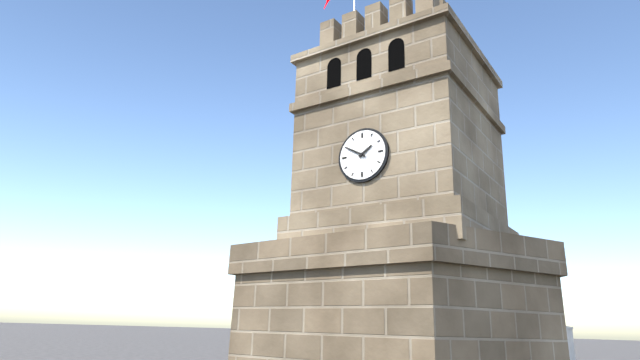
1:50
